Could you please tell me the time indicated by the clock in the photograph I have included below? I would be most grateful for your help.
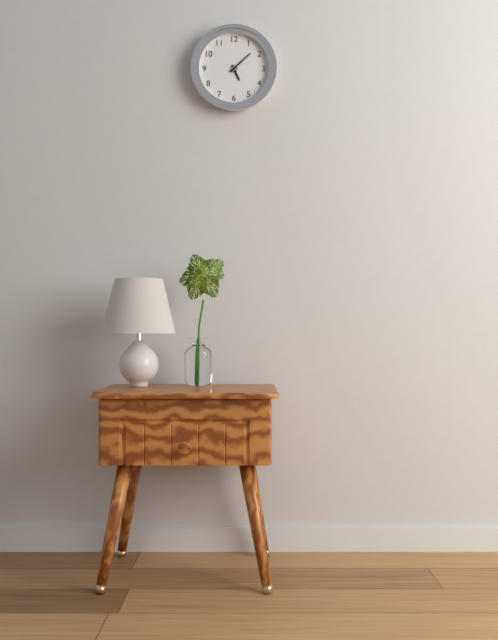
5:08
